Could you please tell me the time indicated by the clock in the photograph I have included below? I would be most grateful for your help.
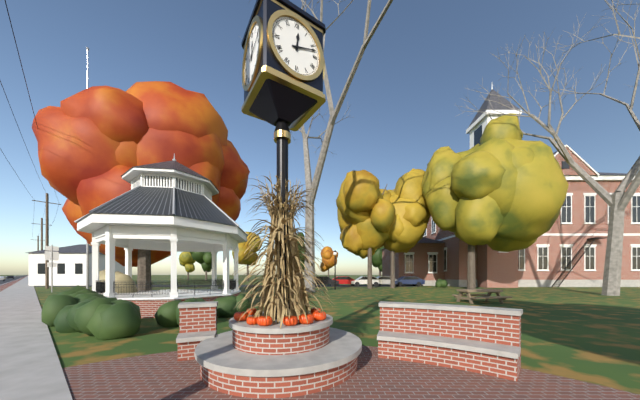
12:12
